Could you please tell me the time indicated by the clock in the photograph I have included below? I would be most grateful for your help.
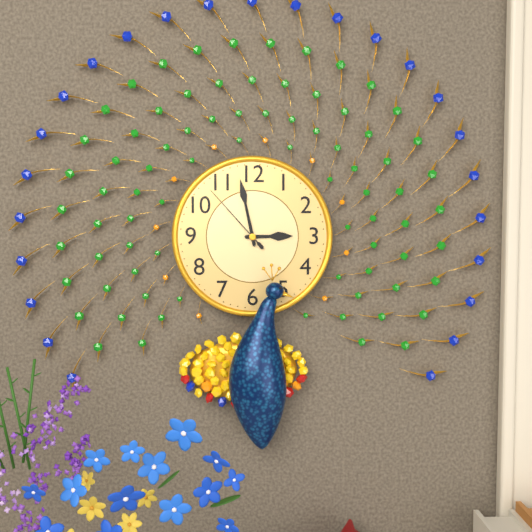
2:58:53
